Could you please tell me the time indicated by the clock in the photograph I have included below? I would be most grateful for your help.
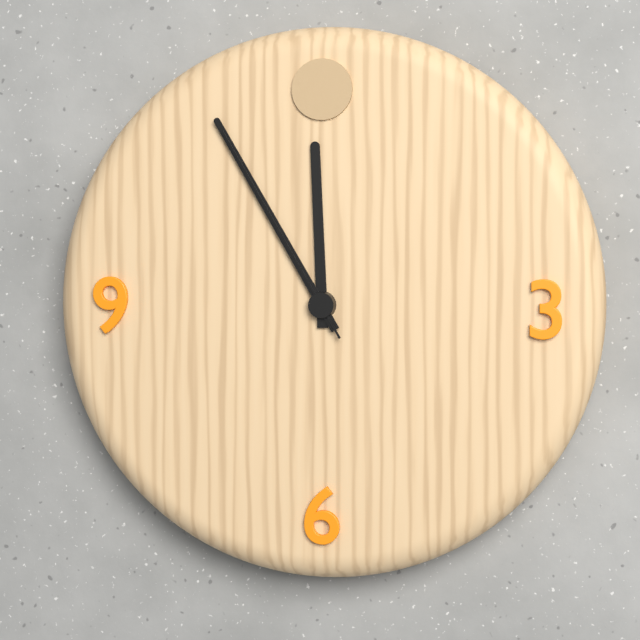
11:55:55
